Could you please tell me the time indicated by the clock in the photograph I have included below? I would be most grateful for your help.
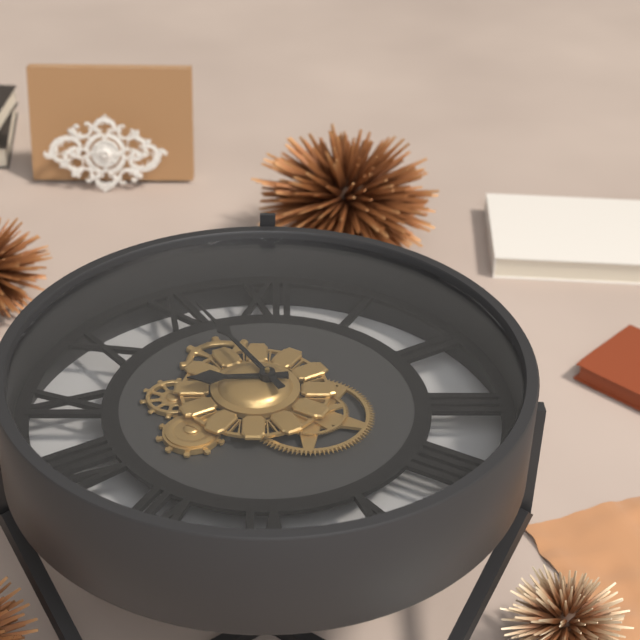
8:55
